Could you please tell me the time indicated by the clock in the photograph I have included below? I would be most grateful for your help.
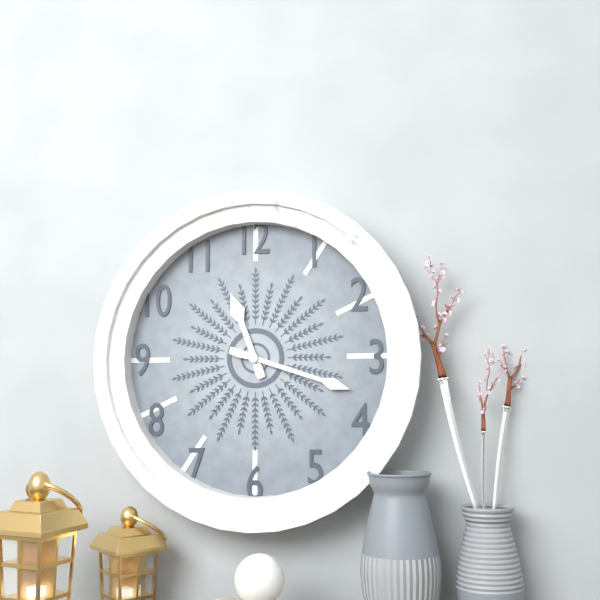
11:18
